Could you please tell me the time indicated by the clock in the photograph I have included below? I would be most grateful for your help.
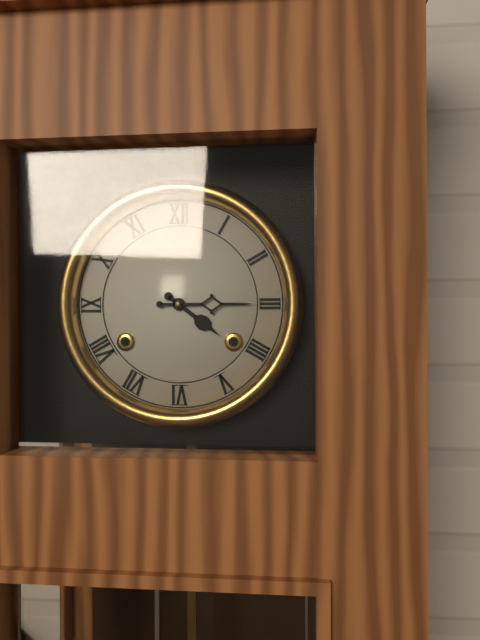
4:15
